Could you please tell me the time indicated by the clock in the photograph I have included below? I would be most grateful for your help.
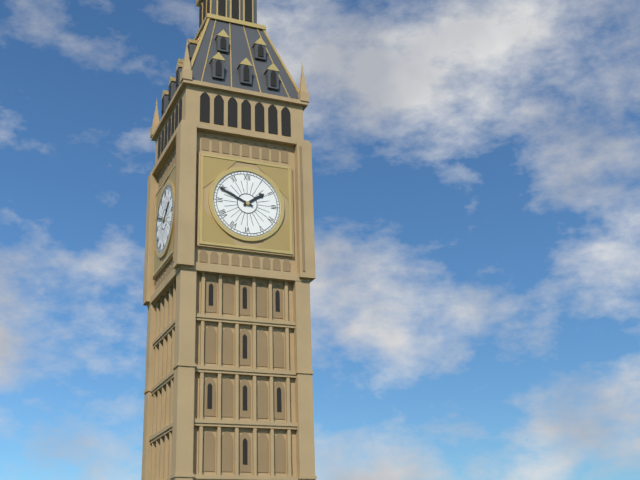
1:49
